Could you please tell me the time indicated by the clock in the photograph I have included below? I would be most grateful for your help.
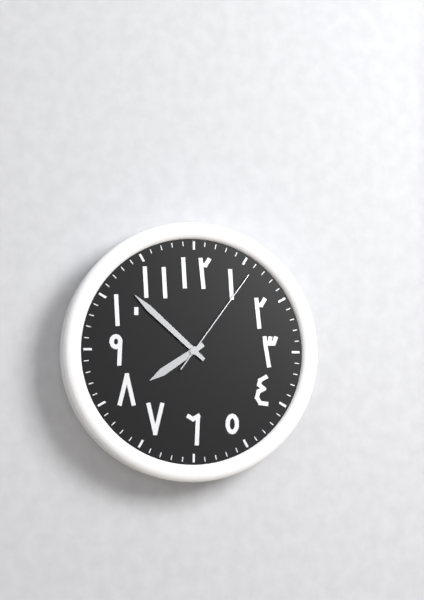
7:52:06
